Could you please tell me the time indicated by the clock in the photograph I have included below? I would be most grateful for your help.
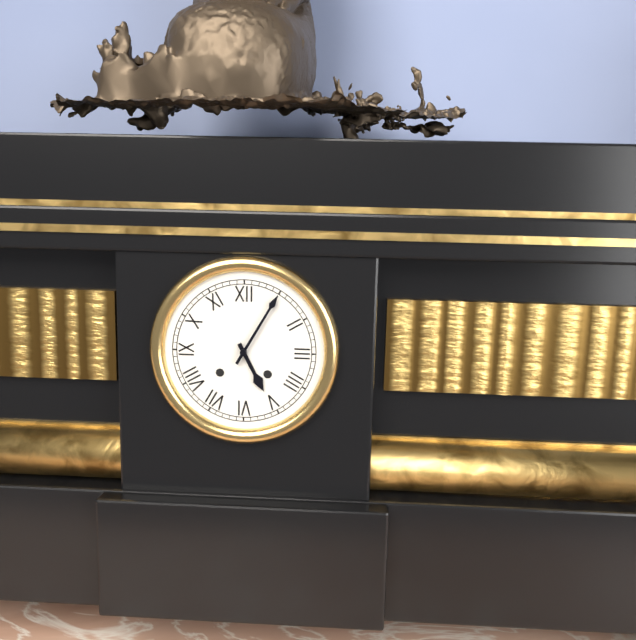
5:05
